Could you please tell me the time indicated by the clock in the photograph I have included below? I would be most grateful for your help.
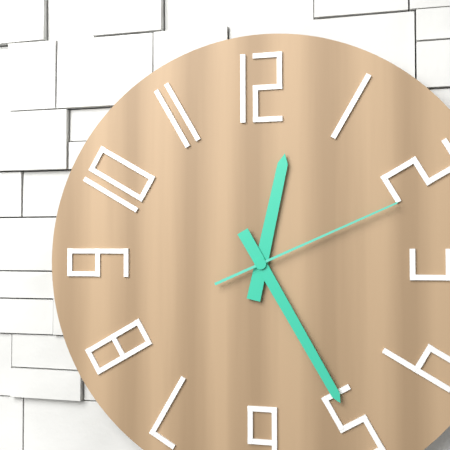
12:25:11
